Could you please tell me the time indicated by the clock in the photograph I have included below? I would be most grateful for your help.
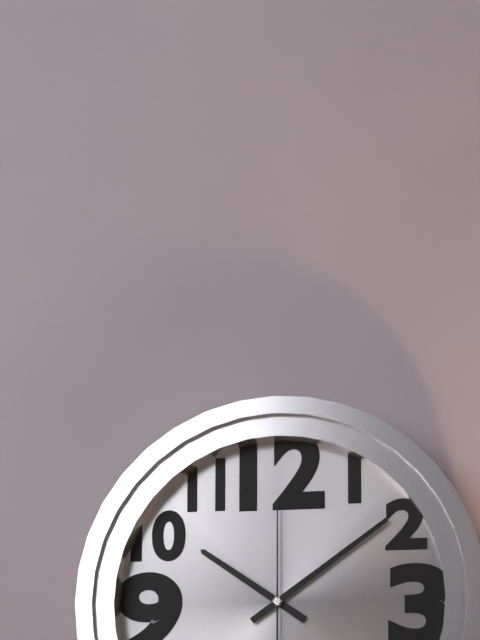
10:09:00
